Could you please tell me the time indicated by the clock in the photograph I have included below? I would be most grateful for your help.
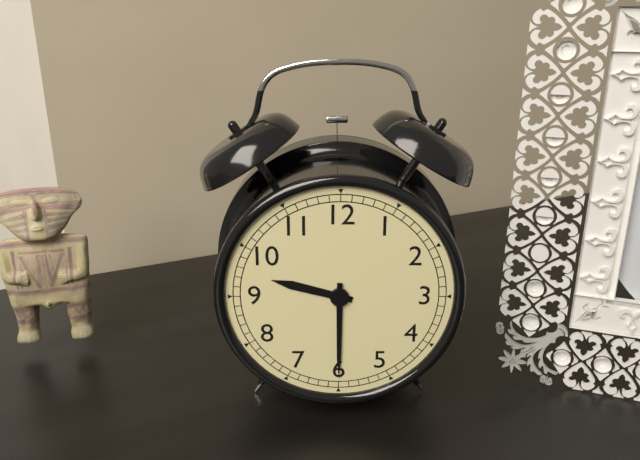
9:30
